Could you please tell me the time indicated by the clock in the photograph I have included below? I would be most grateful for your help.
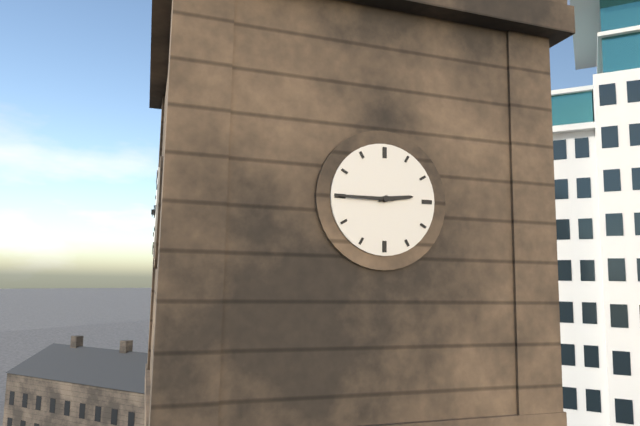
2:45
